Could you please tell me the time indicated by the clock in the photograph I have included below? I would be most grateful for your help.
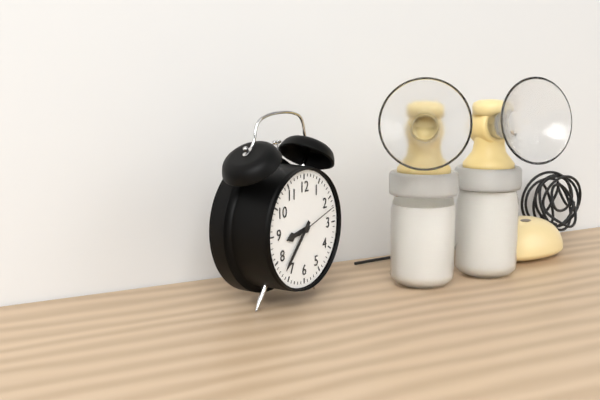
8:37
